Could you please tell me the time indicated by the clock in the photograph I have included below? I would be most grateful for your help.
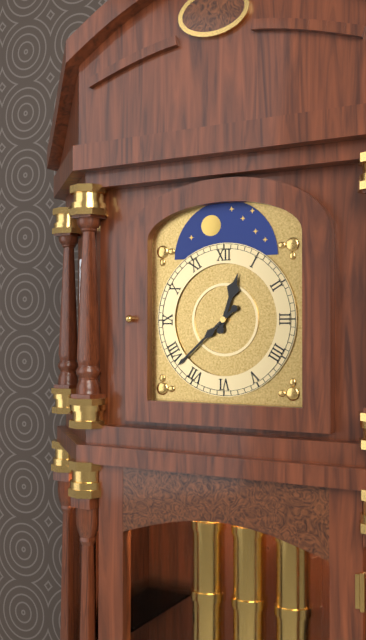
12:38
